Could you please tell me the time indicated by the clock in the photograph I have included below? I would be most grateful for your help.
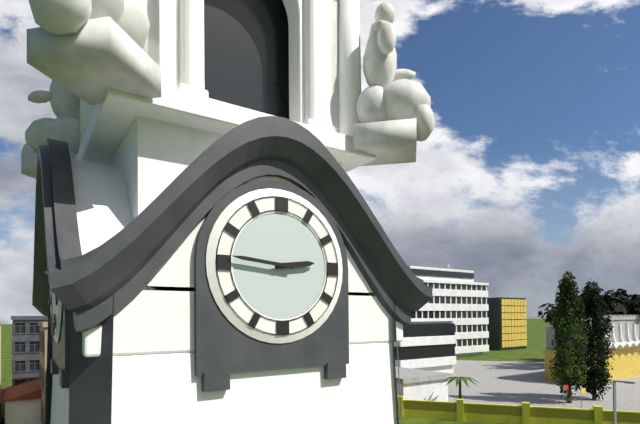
2:46
